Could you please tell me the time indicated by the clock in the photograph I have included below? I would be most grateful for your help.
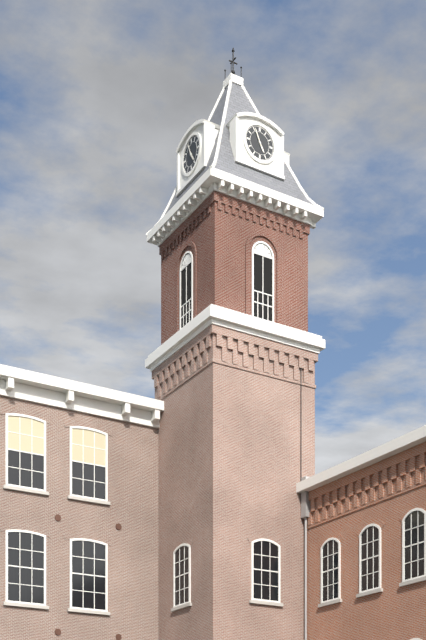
4:56
